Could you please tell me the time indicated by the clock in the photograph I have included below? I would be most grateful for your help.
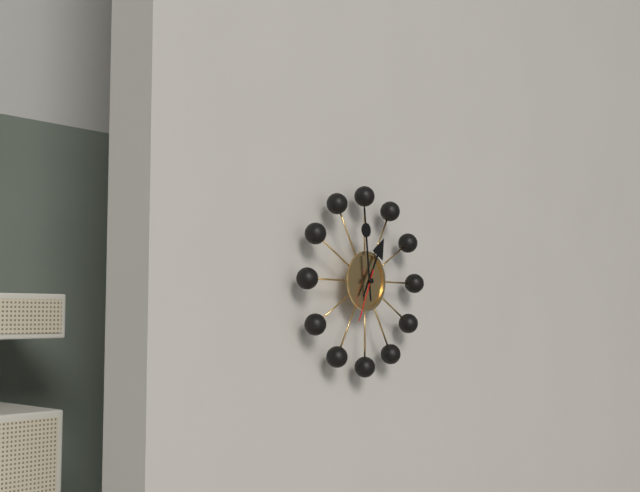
12:59:34
